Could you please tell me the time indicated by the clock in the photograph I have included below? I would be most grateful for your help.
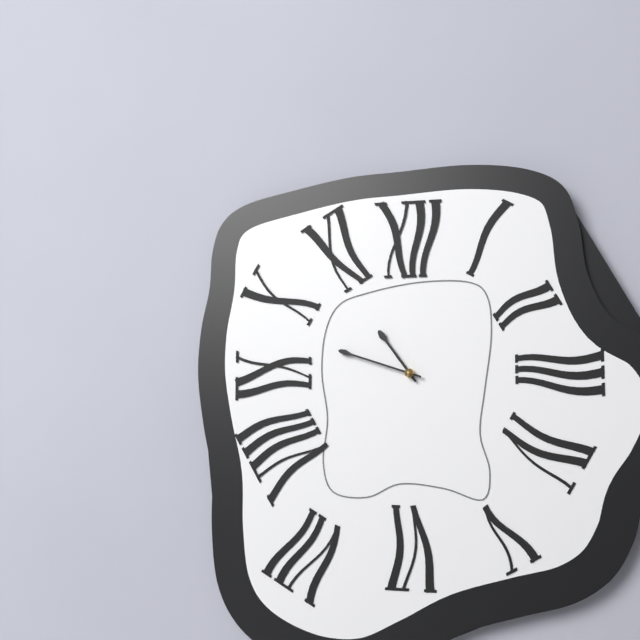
10:48
